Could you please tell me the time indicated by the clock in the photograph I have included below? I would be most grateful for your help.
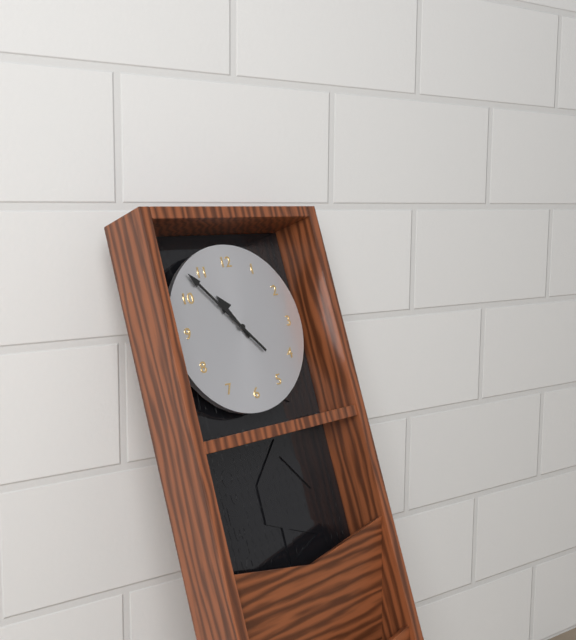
10:53
